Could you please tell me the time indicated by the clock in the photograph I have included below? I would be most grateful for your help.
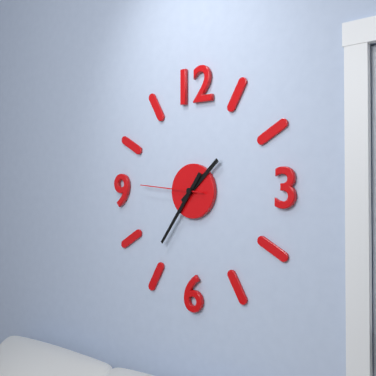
1:36:46
